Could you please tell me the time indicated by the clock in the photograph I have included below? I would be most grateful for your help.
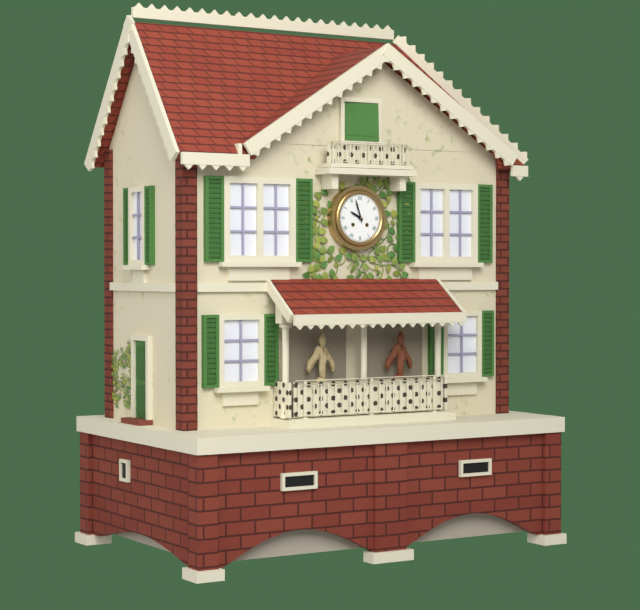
9:57
